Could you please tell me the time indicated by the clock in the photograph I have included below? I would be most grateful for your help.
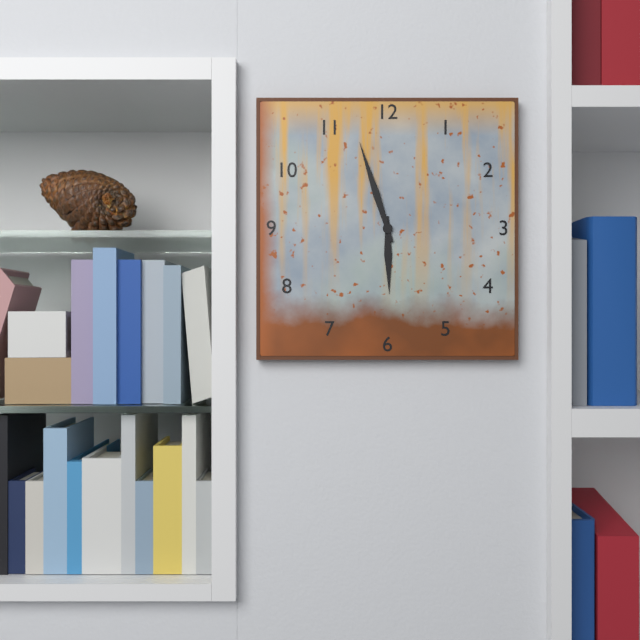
5:57
